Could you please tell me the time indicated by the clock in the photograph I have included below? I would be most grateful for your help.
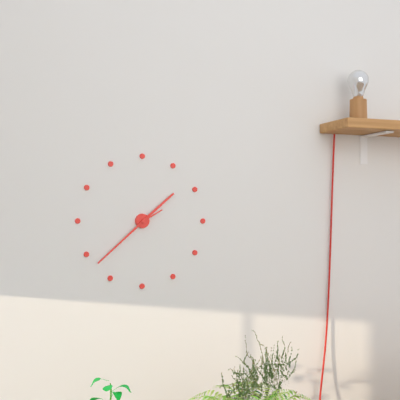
1:38
